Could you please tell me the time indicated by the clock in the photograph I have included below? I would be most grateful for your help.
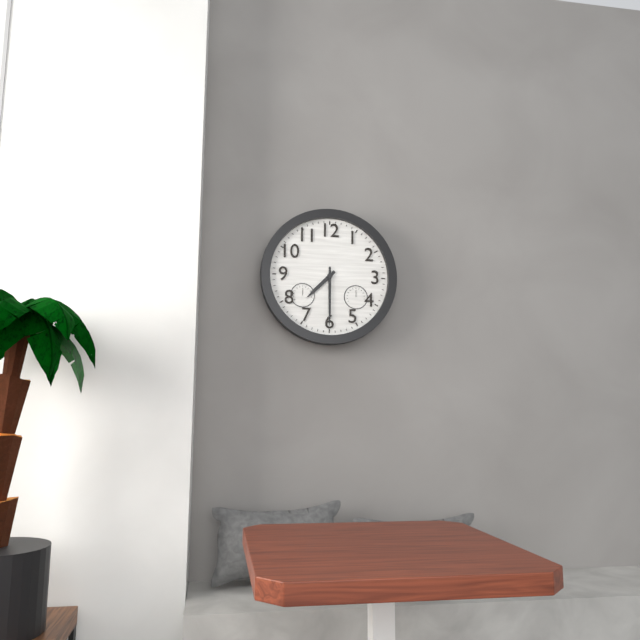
7:30
